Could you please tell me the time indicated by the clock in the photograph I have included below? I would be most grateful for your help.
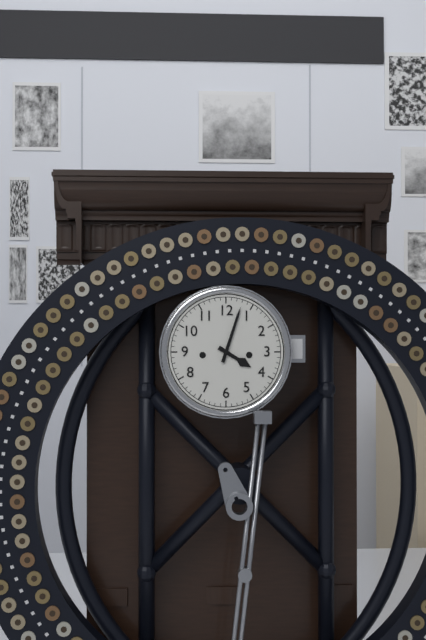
4:03
